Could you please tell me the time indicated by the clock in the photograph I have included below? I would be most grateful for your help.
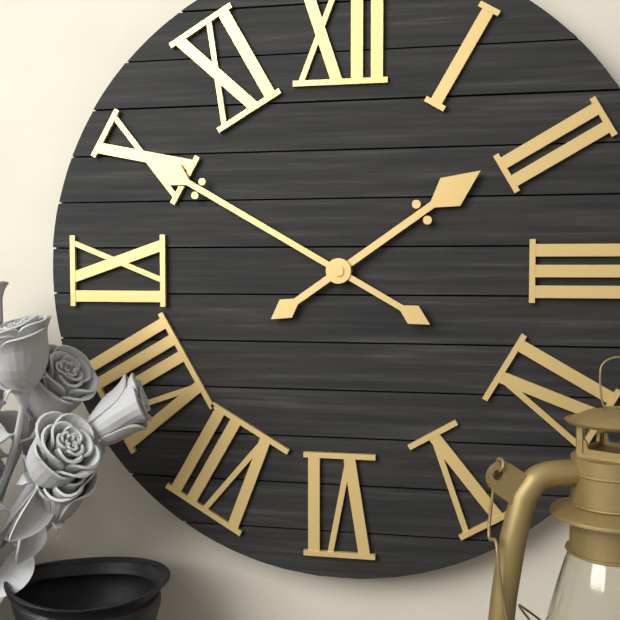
1:50
